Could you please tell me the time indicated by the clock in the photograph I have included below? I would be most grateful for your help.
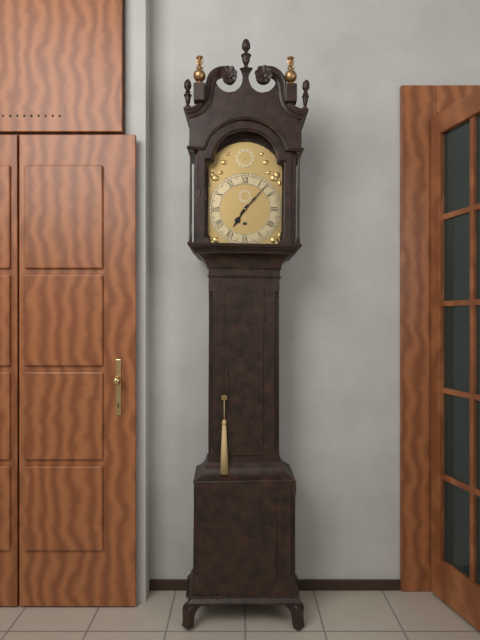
7:07
